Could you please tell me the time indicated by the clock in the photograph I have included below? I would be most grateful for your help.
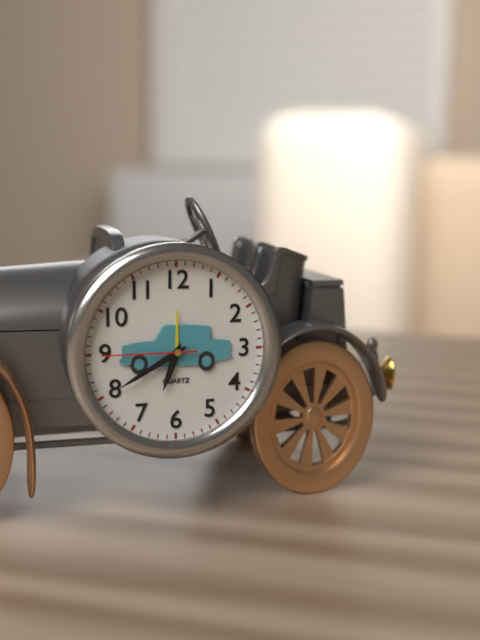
6:40:45
